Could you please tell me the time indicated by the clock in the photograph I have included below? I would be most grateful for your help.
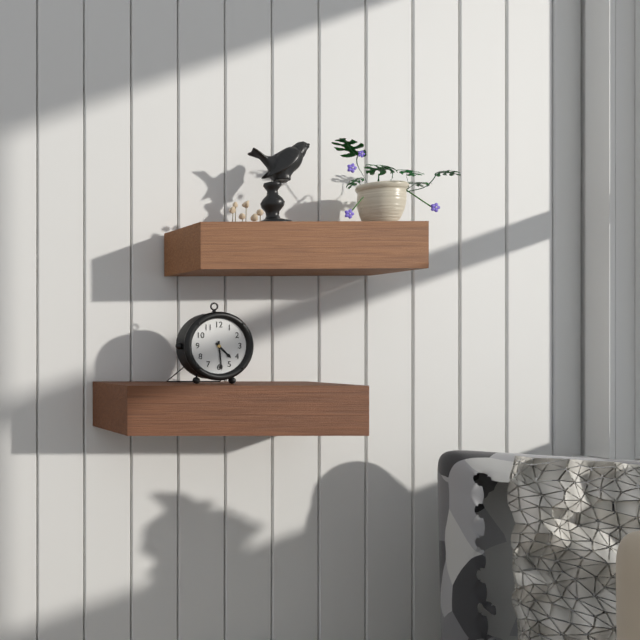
4:29
